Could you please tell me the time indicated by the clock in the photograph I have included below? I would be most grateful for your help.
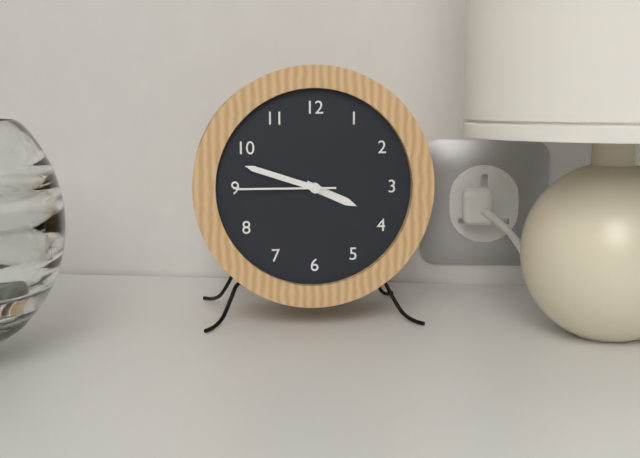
3:48:45
